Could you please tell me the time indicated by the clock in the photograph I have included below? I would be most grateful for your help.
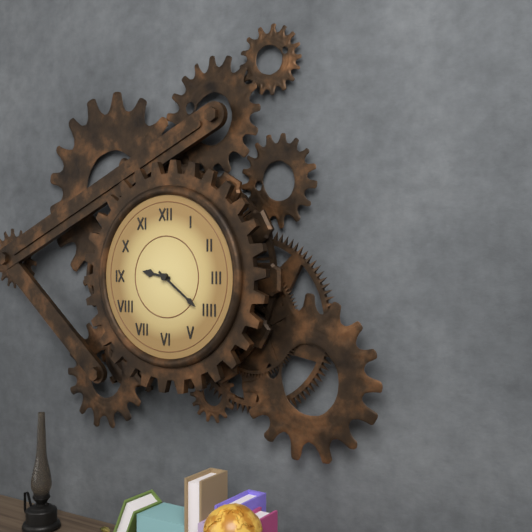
9:21
